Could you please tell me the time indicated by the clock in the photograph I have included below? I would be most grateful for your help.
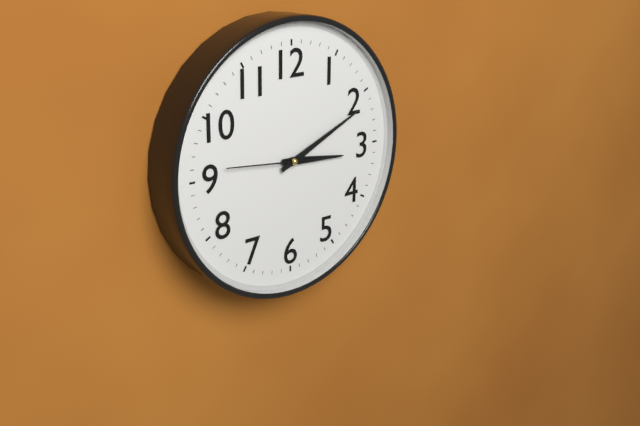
3:11:46
